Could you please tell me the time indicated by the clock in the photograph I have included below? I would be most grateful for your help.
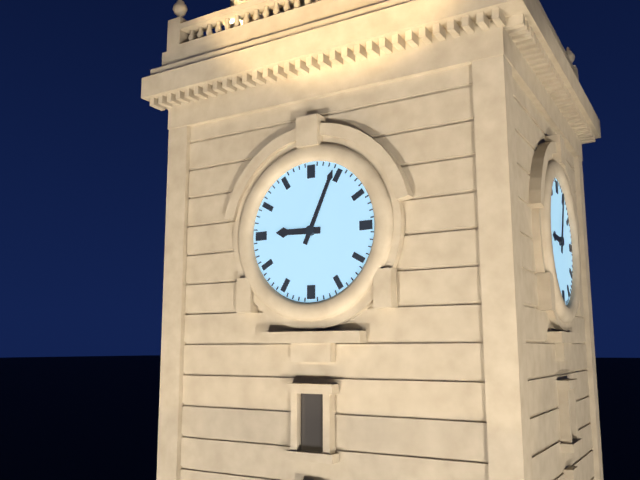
9:04
